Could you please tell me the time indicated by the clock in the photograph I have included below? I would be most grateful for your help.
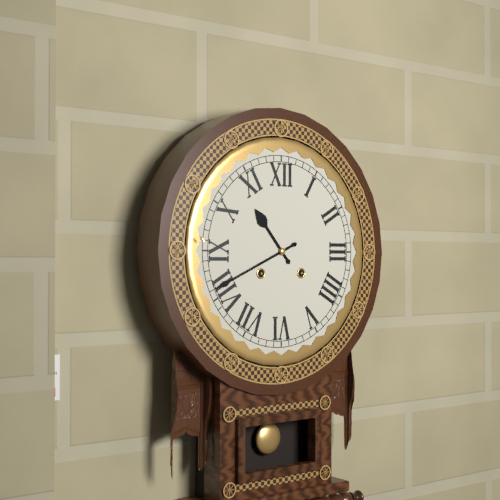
10:41
